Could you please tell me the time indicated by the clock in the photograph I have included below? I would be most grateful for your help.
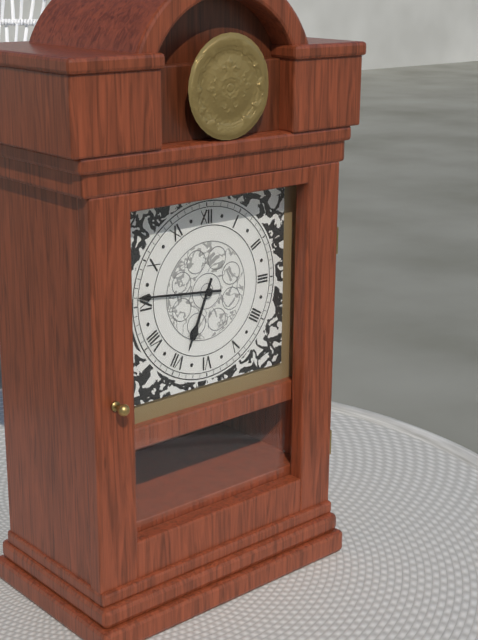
6:46
